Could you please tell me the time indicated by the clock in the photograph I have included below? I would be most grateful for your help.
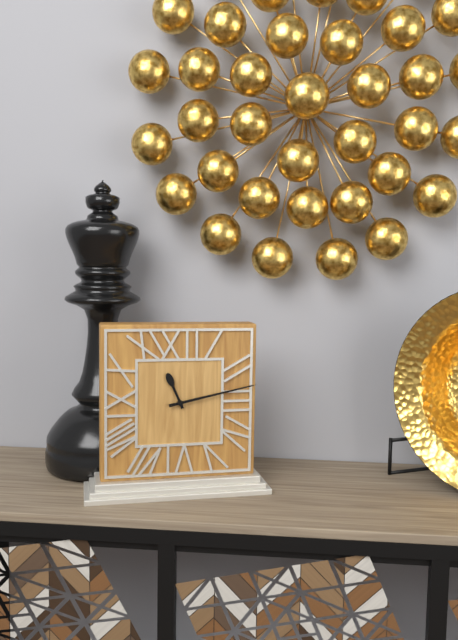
11:13
